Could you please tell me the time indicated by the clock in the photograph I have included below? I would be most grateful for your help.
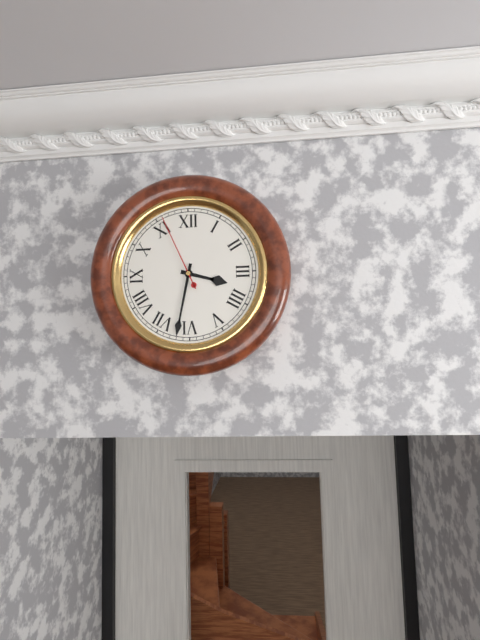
3:32:56
